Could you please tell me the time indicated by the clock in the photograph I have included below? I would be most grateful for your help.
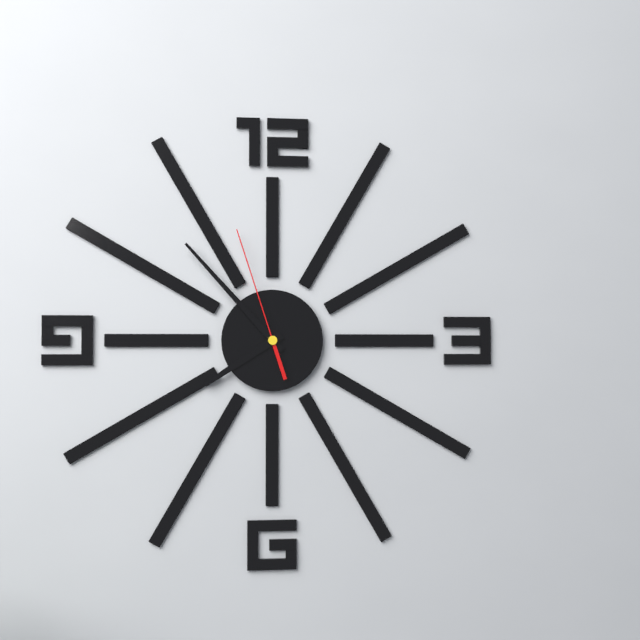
7:53:57
